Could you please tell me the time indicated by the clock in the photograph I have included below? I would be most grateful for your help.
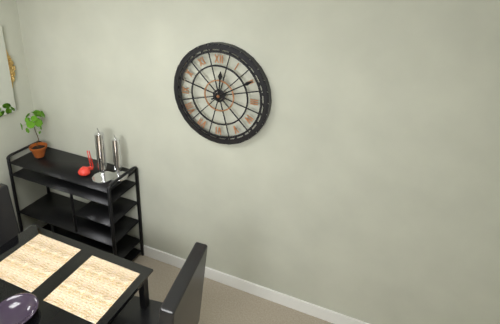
12:10
